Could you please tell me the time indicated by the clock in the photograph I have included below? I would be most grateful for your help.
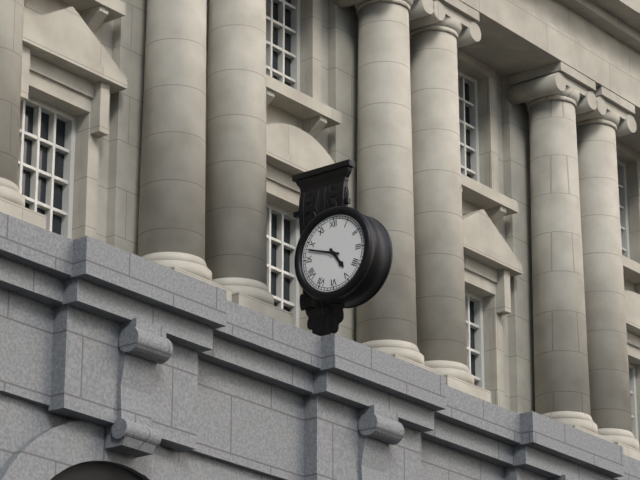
4:48
